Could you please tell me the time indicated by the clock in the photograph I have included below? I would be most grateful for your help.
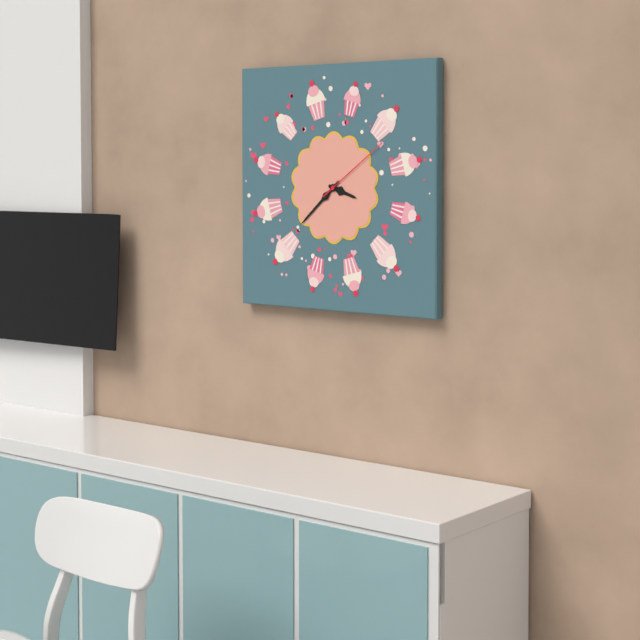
3:38:09
